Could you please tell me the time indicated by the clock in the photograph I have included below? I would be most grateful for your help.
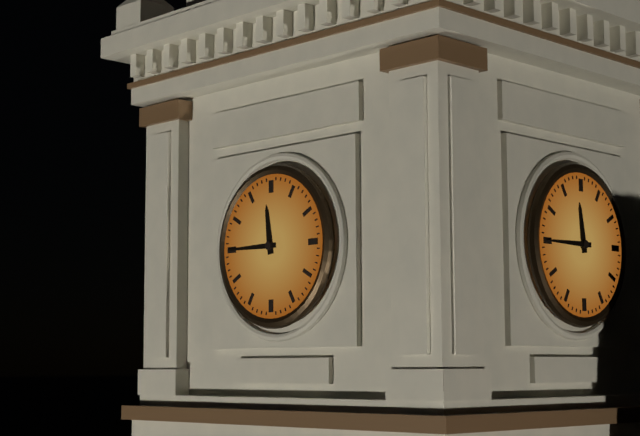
11:45
